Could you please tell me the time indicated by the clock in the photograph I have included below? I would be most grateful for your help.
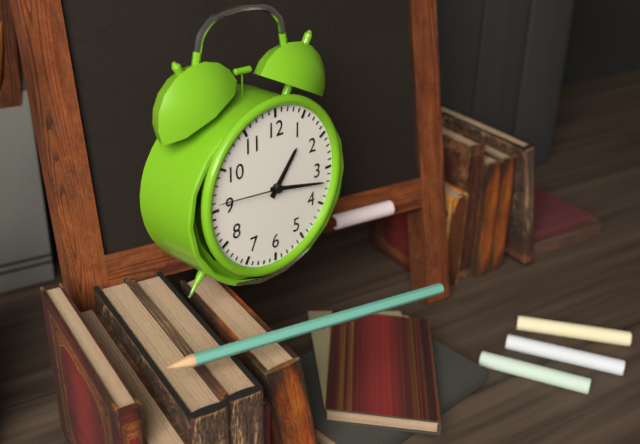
1:17:46
